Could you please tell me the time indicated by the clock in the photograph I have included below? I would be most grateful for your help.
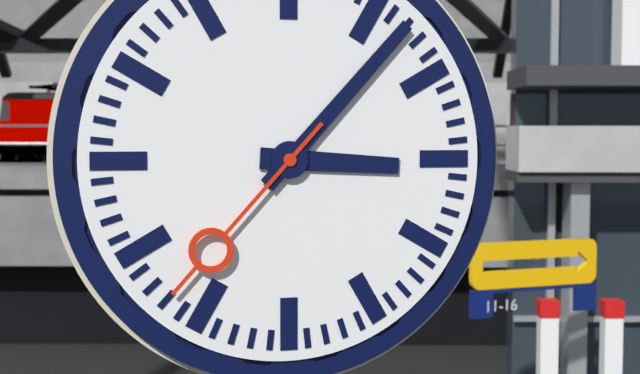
3:07:37
